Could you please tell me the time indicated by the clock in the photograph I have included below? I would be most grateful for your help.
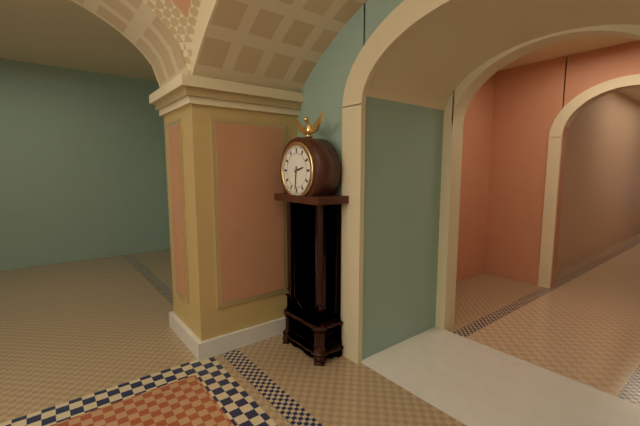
2:31
